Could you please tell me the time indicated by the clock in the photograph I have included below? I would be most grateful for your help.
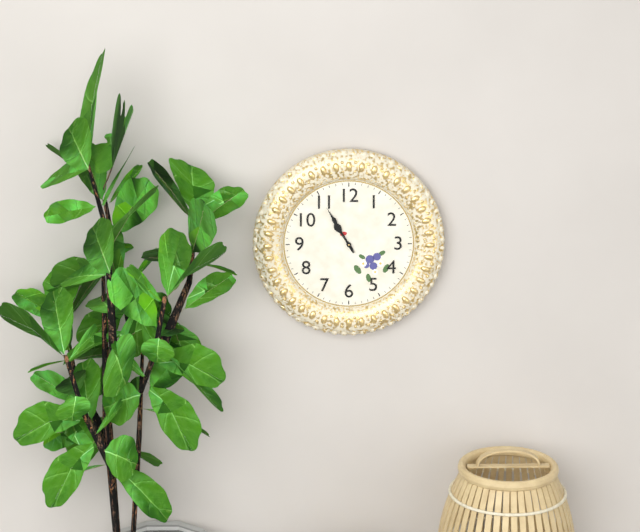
10:55
